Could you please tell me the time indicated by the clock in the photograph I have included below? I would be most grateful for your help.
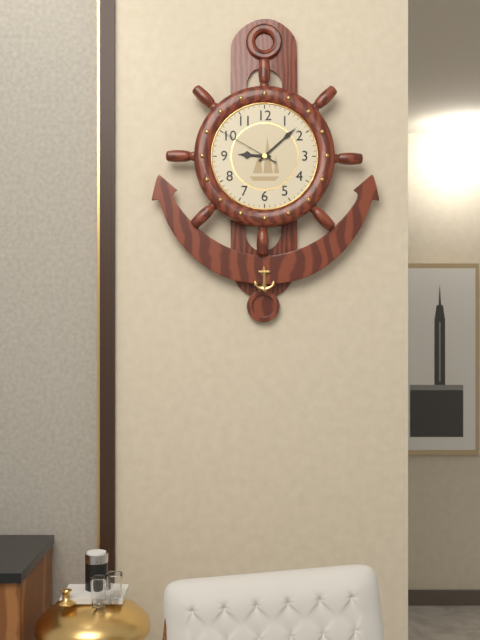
9:08:50
